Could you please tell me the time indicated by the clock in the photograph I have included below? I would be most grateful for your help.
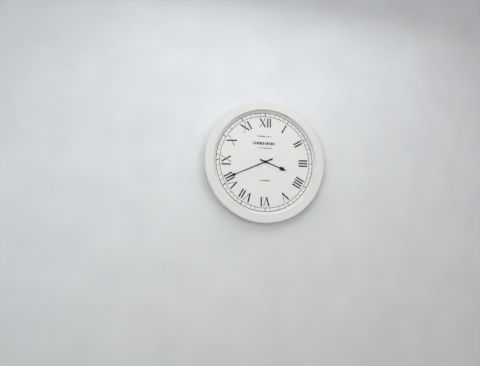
3:41
